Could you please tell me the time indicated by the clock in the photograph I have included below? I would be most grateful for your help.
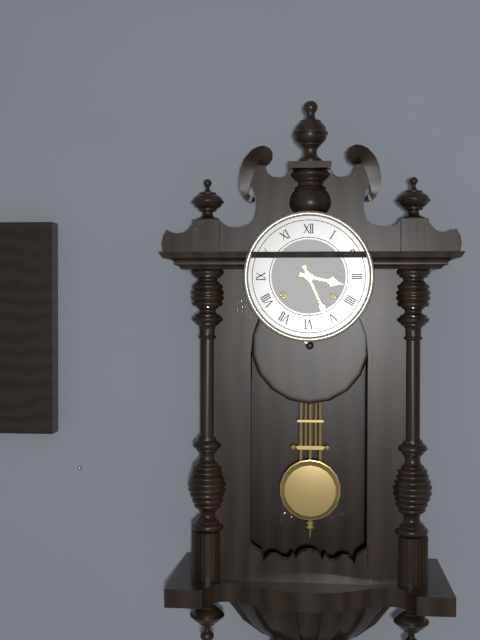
3:26
